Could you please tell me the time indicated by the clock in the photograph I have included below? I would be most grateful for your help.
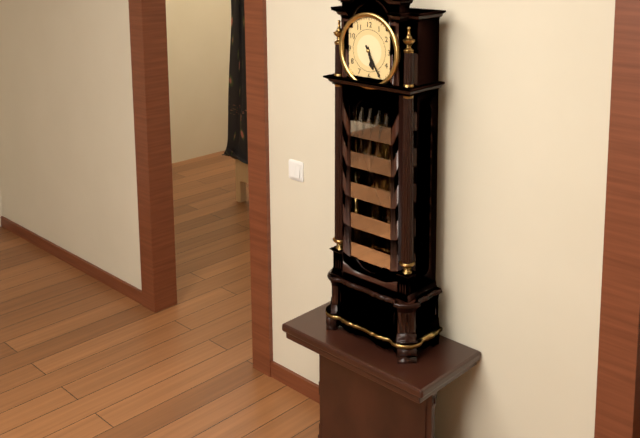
5:25
